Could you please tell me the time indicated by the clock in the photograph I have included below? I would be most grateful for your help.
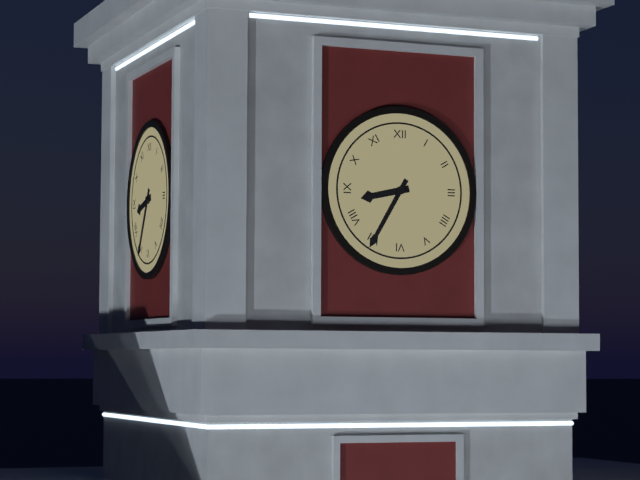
8:35
